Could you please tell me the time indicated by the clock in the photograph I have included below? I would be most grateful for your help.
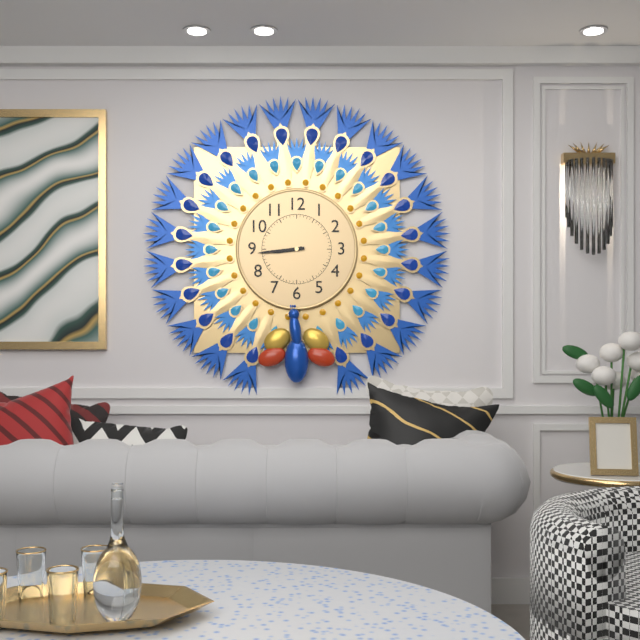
8:44
